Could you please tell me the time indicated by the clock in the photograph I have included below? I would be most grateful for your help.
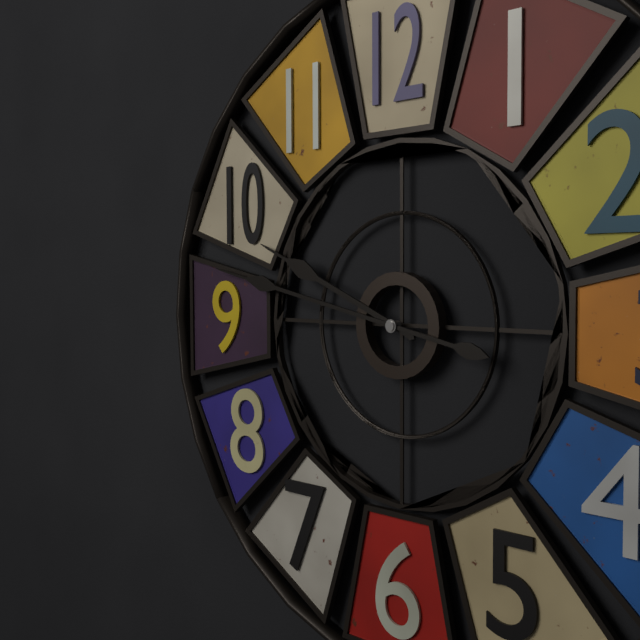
9:47
